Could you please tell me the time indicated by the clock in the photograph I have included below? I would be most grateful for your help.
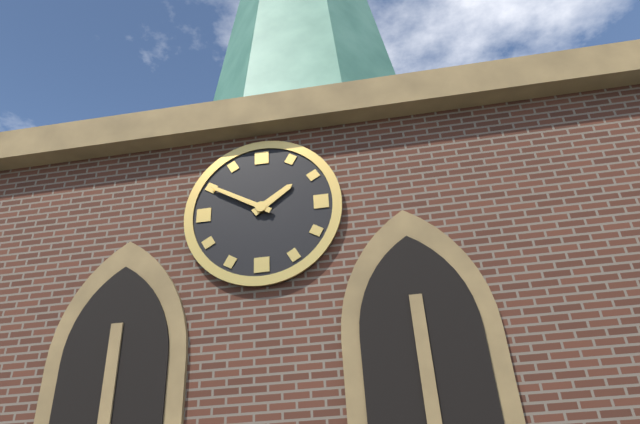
1:50
